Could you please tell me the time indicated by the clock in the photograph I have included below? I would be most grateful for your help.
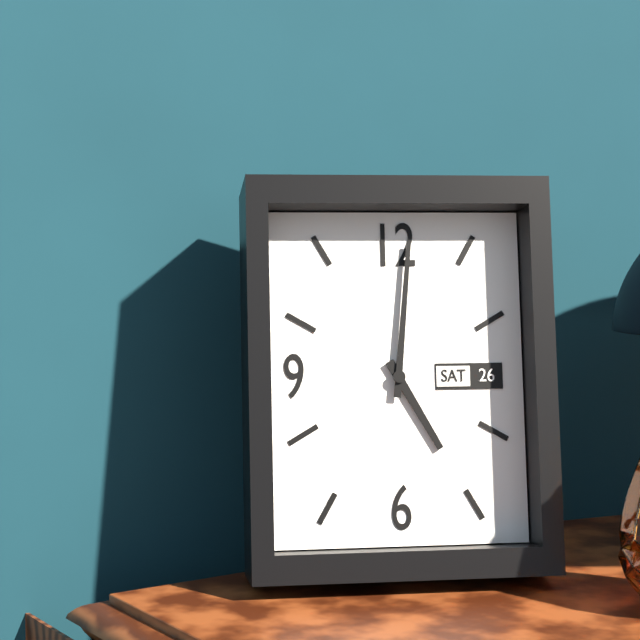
5:01
